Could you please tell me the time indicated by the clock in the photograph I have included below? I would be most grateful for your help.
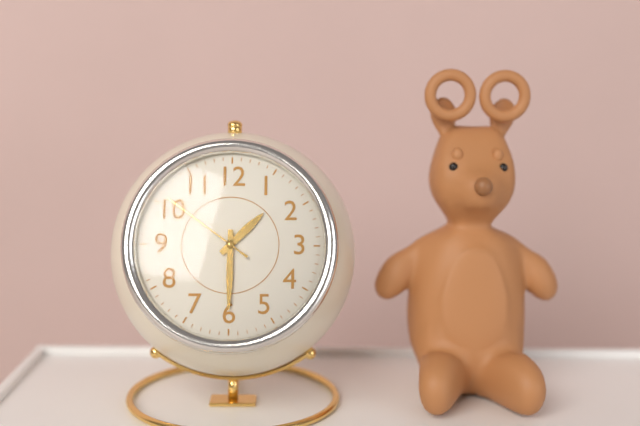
1:30:51
